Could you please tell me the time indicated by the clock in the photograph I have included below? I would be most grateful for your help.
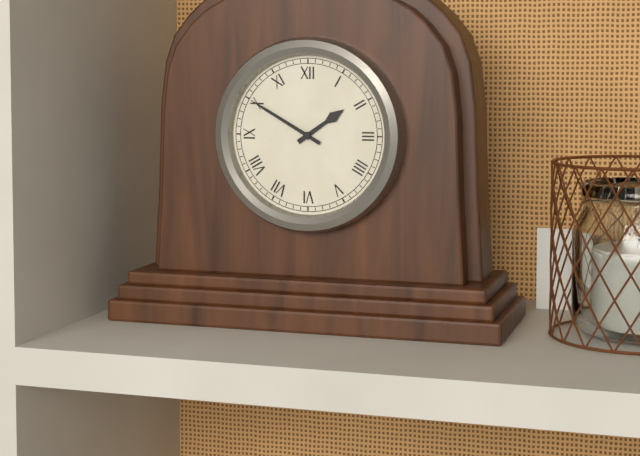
1:50
